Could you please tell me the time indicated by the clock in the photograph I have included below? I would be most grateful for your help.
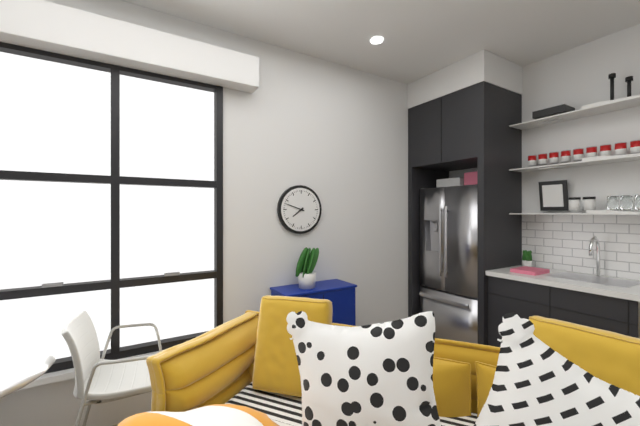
7:48
